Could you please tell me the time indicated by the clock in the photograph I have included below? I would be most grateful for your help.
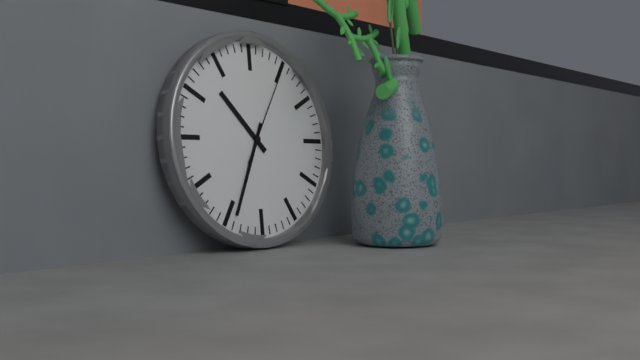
10:34:05
